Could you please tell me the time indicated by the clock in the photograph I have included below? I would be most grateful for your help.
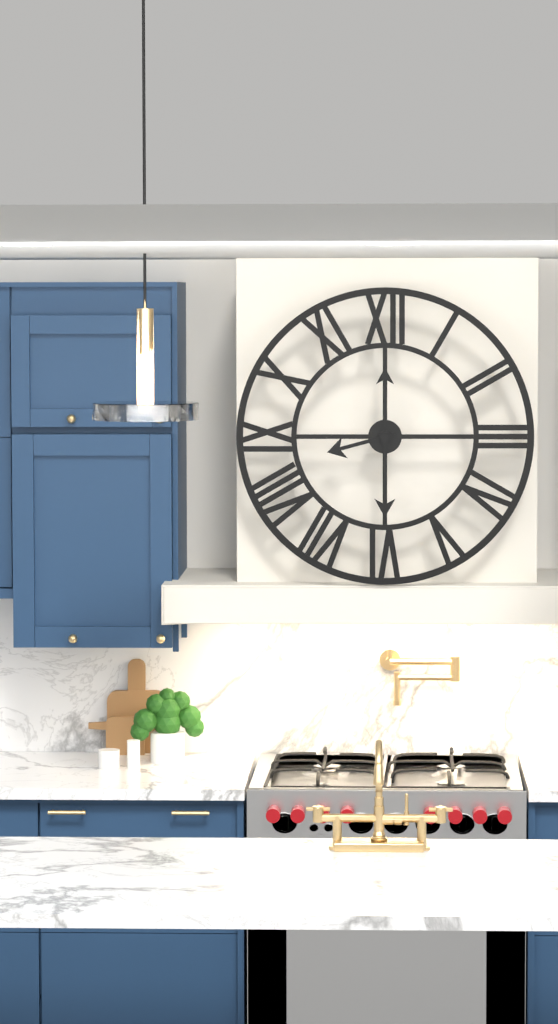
8:30
